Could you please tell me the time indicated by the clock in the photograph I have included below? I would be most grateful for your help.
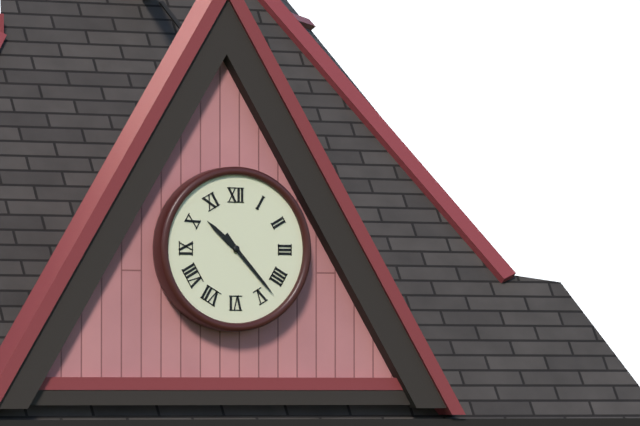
10:23
